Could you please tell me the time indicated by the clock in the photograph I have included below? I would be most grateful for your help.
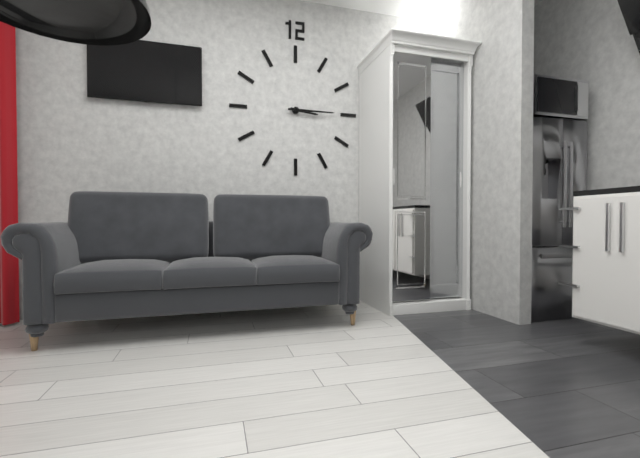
3:15
